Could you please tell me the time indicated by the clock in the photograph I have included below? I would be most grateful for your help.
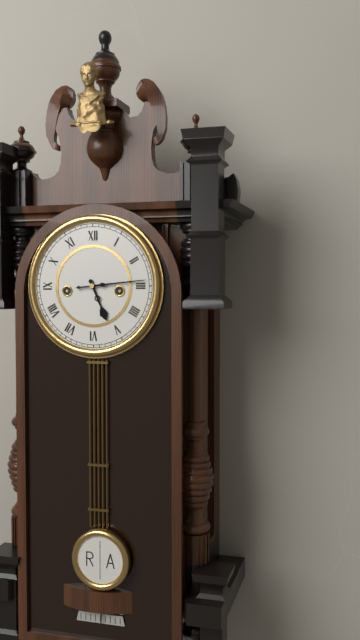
5:14
